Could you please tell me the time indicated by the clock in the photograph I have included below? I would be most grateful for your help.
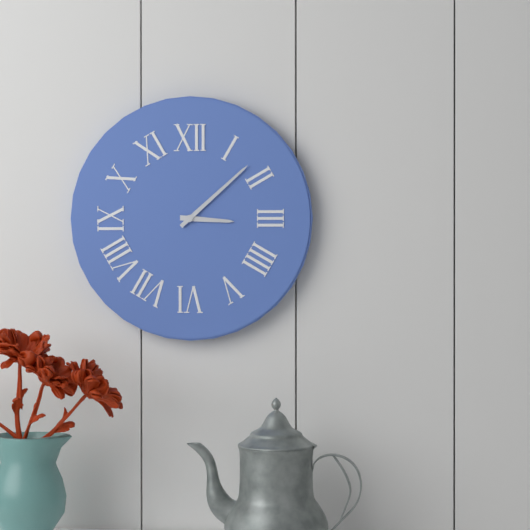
3:08
